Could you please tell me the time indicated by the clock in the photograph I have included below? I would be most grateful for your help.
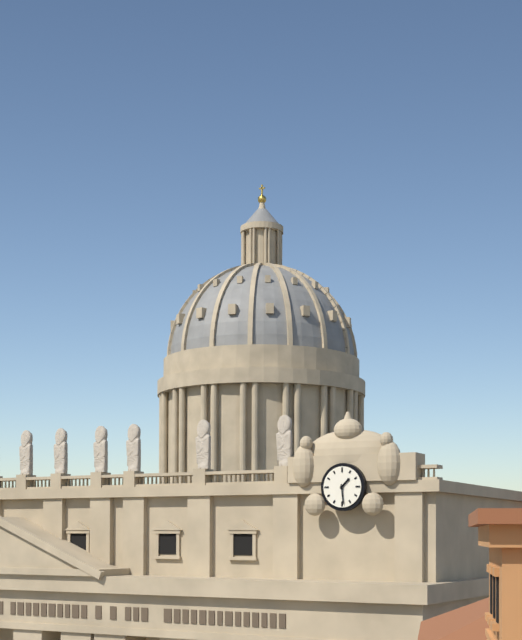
1:29
